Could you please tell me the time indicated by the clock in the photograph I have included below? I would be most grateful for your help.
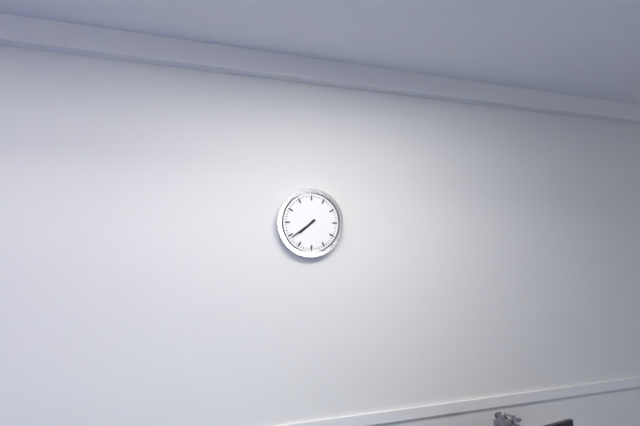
7:39
